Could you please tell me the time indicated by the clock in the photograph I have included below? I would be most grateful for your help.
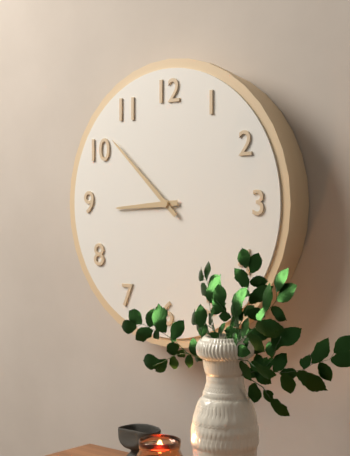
8:52
